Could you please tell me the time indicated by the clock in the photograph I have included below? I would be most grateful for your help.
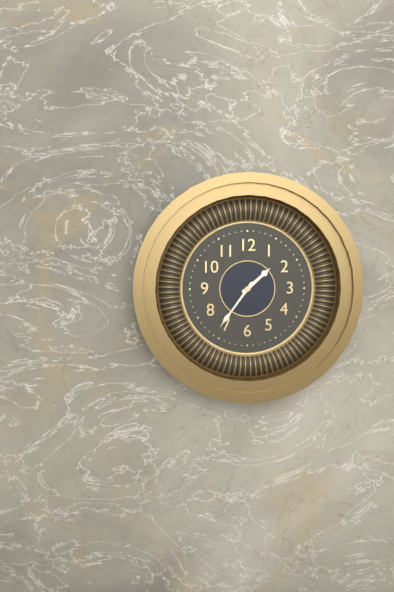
1:36
